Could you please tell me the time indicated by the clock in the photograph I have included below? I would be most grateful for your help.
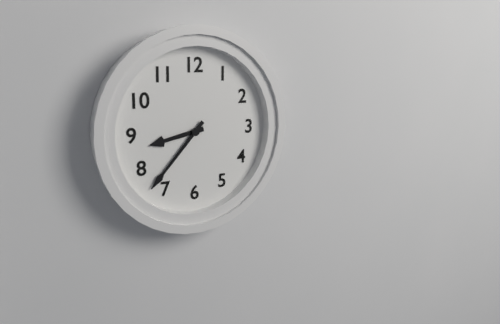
8:37
